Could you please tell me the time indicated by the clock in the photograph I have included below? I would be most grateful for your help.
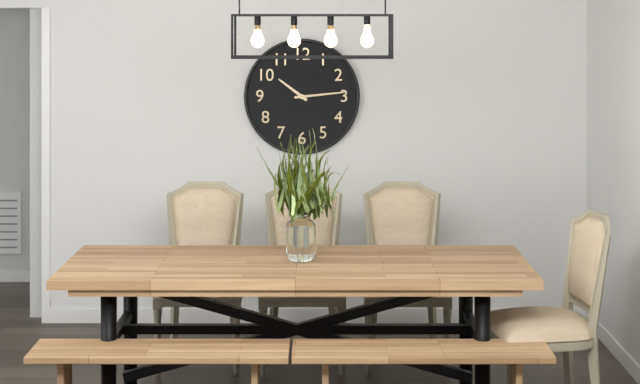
10:14
